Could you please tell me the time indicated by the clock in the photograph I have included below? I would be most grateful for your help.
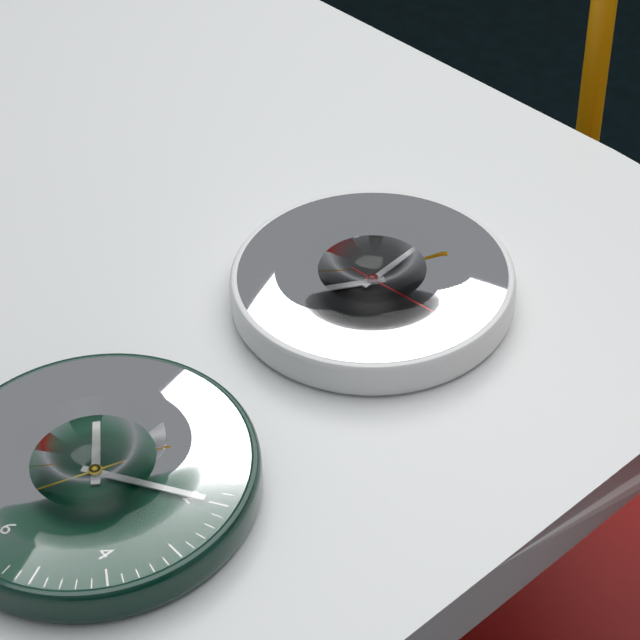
6:59:14
